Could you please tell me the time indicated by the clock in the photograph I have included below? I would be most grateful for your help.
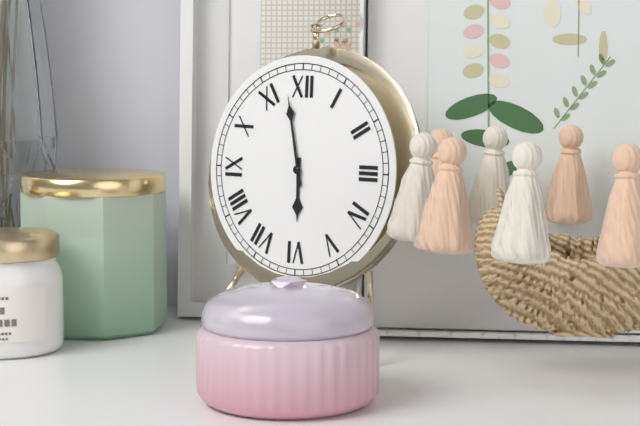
5:58
